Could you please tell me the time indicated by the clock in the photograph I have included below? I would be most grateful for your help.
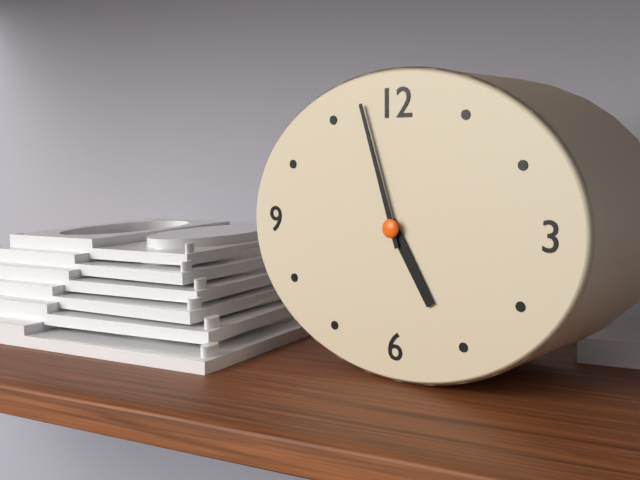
4:57
